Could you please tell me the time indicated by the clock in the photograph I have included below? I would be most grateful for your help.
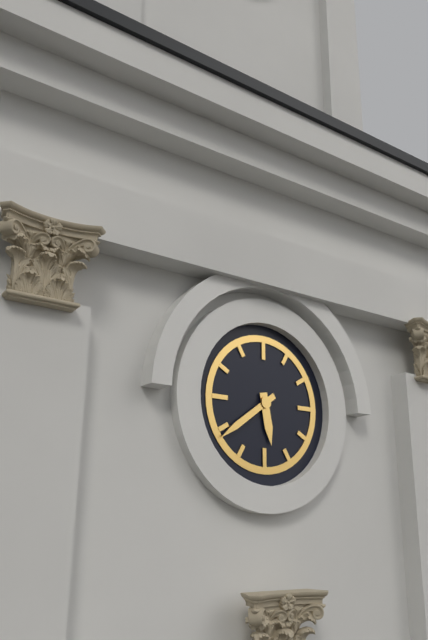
5:39
